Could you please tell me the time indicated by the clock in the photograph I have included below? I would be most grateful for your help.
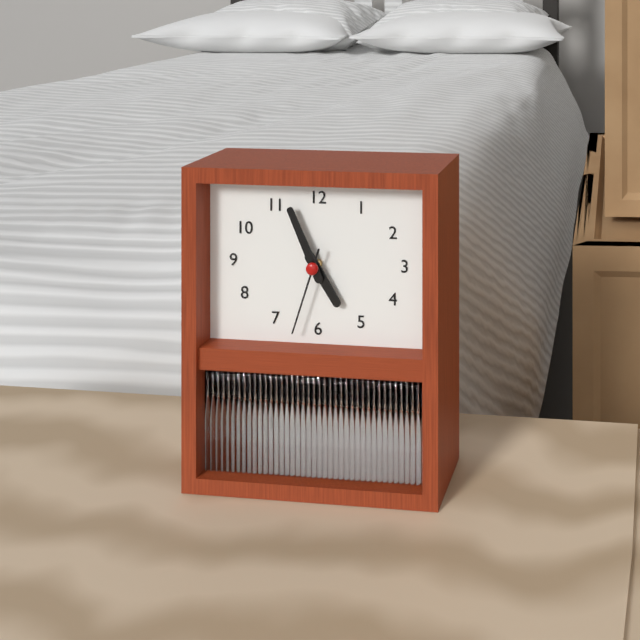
4:56:33
